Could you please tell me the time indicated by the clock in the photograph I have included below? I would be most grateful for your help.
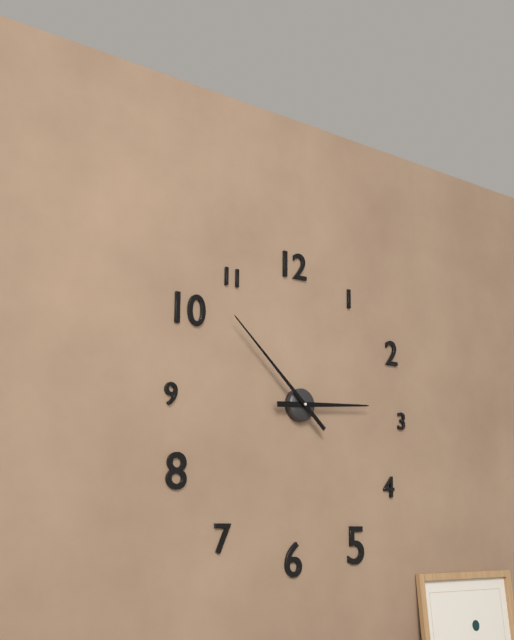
2:52
